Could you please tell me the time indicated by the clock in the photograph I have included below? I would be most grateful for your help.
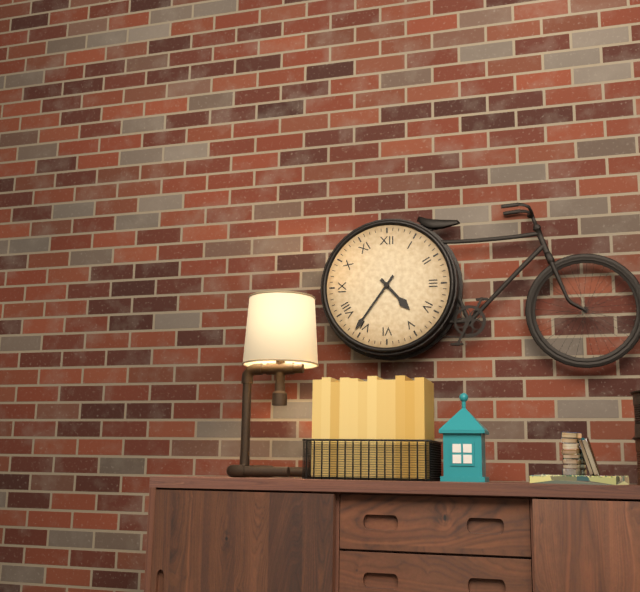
4:36
